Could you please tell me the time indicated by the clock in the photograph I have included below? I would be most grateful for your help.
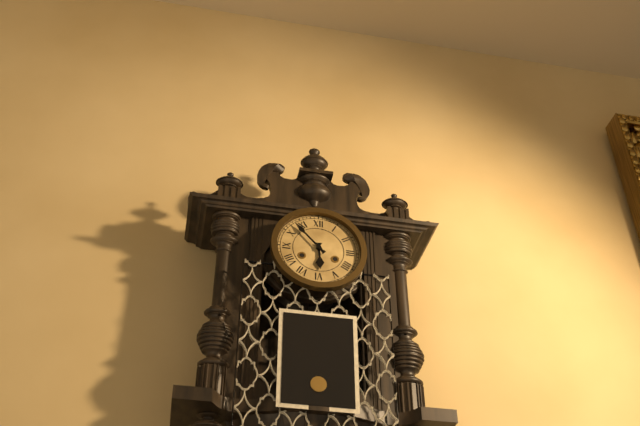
5:53
